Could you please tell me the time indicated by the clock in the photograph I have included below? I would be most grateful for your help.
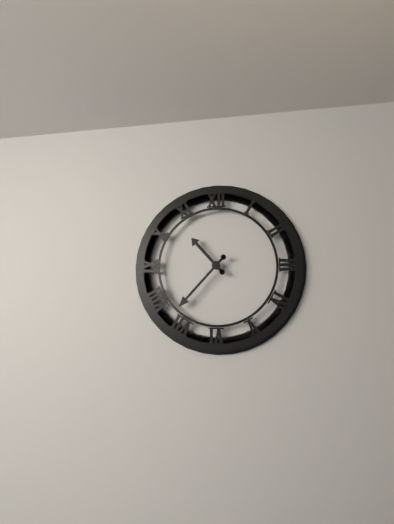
10:37
